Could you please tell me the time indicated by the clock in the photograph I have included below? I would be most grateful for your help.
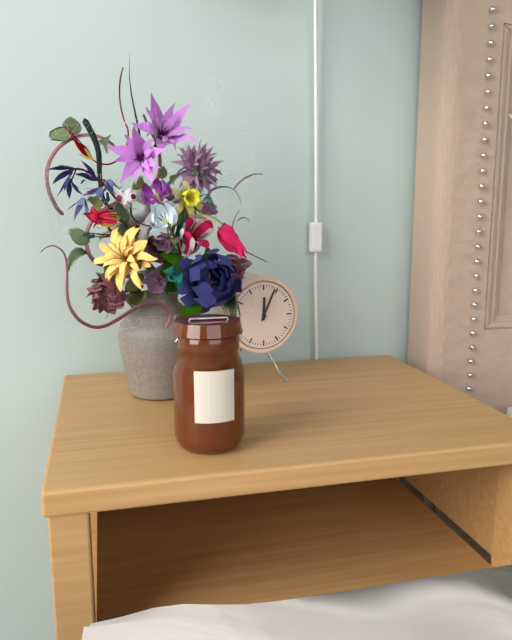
12:04
